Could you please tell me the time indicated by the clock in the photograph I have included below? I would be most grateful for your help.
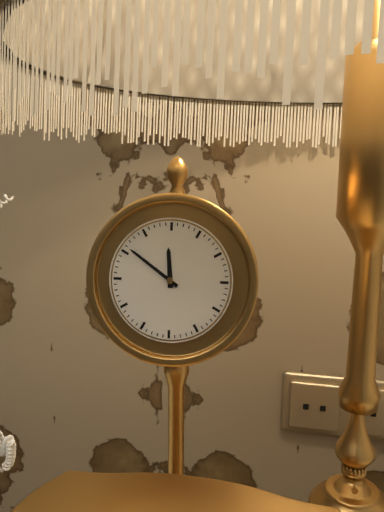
11:51
